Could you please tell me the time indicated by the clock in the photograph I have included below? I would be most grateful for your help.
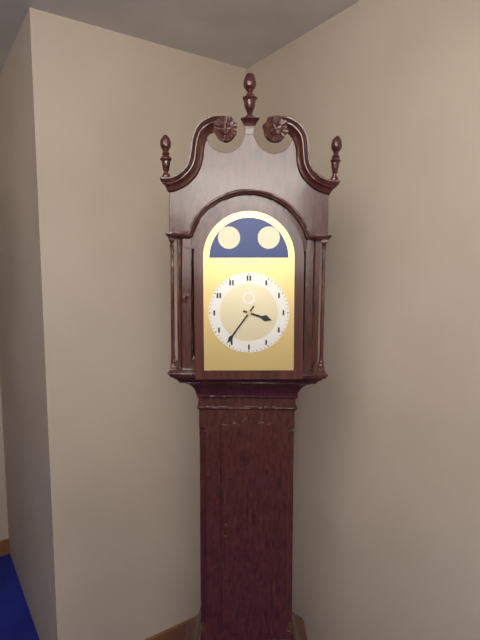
3:36
